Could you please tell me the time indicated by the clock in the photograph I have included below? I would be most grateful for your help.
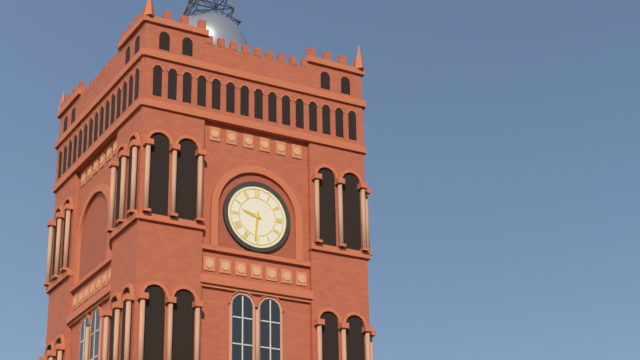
9:31
